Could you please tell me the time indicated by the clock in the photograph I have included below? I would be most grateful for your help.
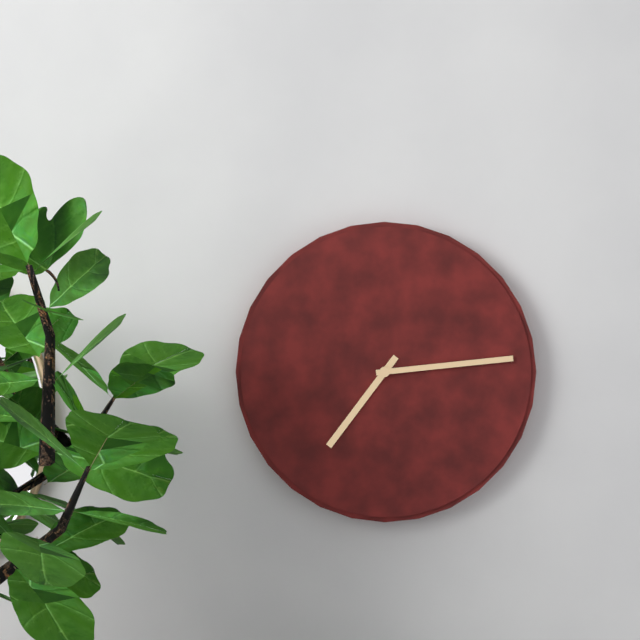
7:14
